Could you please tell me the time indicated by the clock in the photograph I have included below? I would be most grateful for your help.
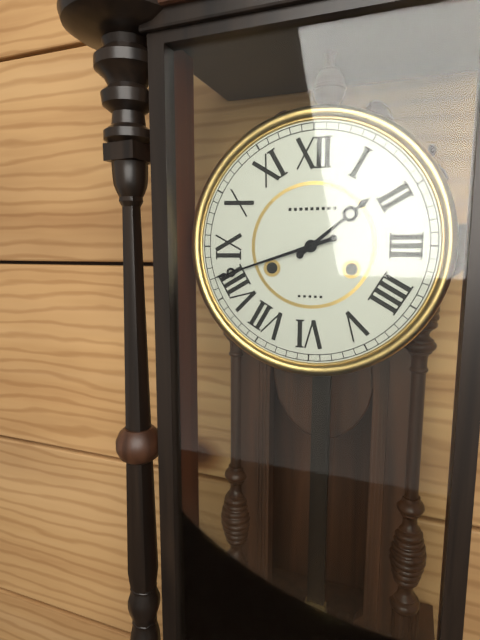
1:42
